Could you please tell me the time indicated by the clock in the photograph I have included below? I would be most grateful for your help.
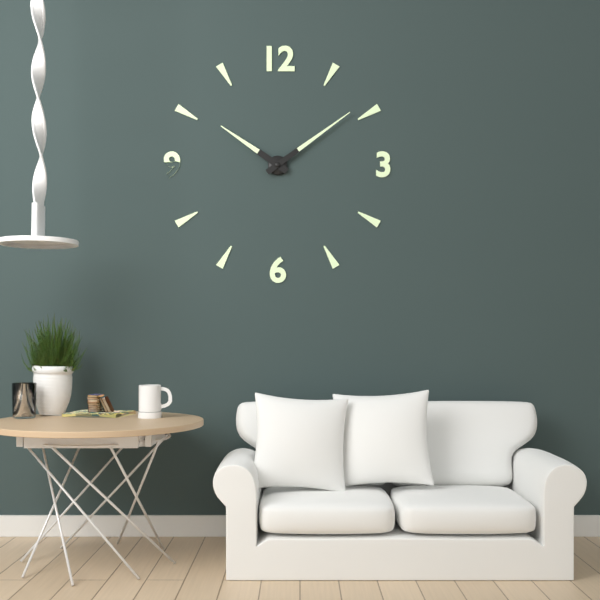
10:09
